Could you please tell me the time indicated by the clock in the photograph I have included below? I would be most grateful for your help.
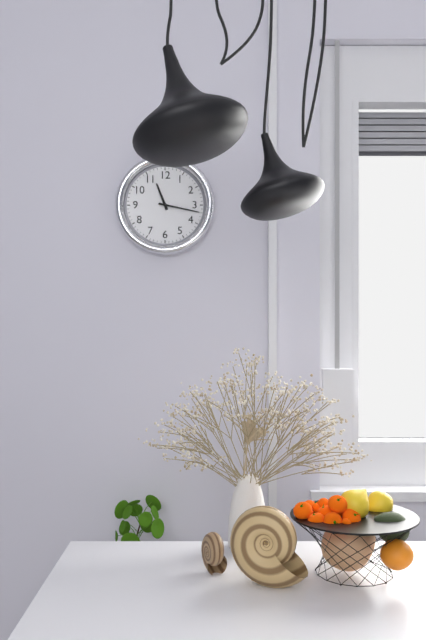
11:17
